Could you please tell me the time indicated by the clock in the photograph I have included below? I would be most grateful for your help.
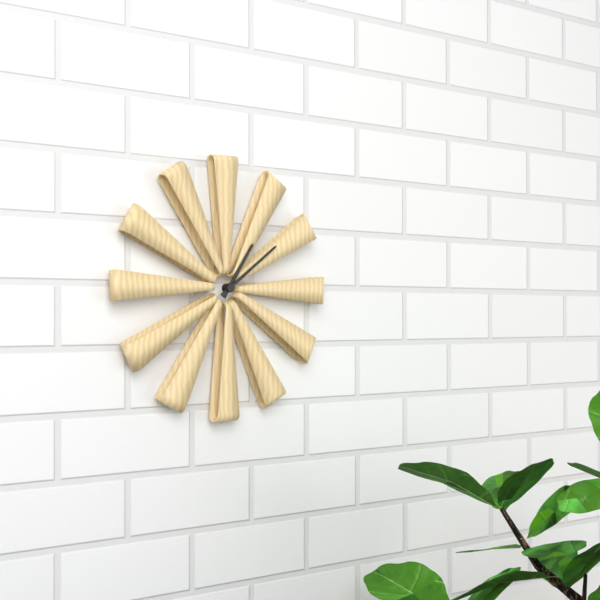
1:09
